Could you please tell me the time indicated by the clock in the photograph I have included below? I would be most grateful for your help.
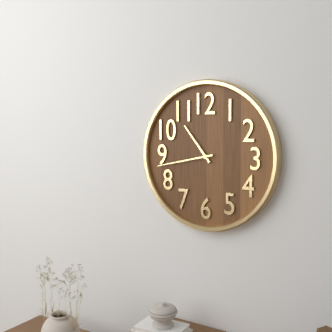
10:43
